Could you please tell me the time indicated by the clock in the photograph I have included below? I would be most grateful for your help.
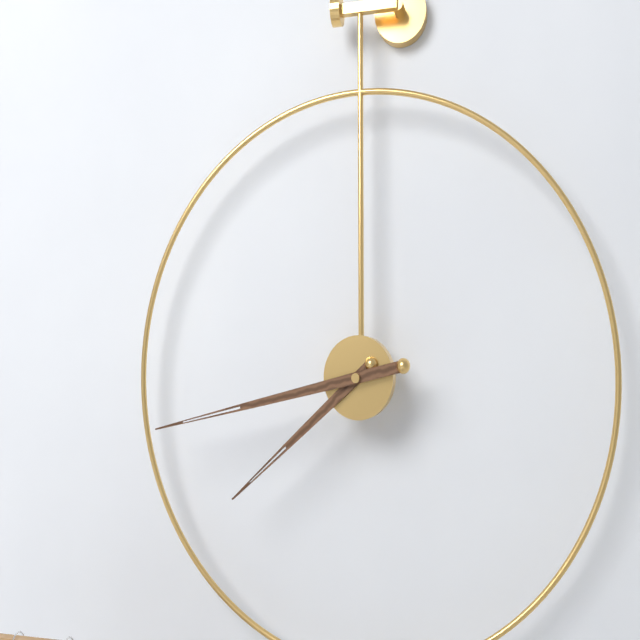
7:43
